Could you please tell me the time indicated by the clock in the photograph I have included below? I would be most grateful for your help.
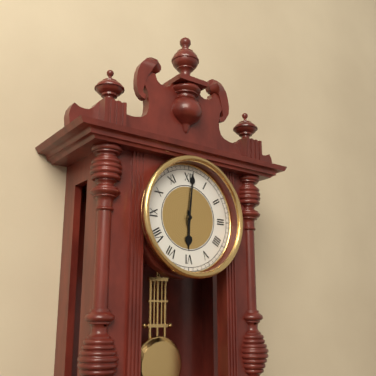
6:01
